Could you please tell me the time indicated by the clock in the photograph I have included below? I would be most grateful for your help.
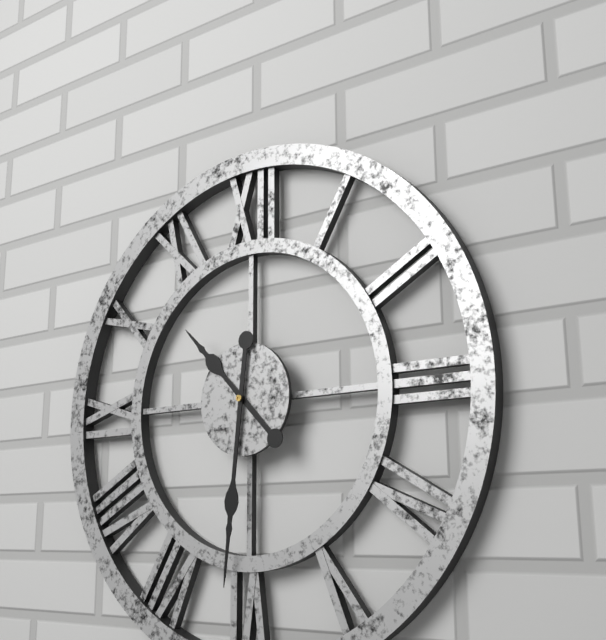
10:31
